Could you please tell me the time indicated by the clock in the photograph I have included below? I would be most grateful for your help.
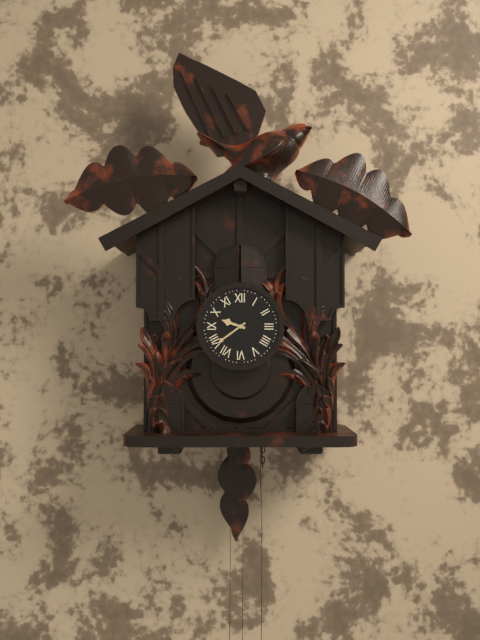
9:39
